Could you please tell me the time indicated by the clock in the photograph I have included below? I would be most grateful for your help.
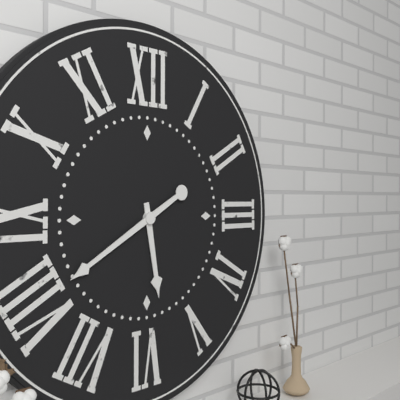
5:40
